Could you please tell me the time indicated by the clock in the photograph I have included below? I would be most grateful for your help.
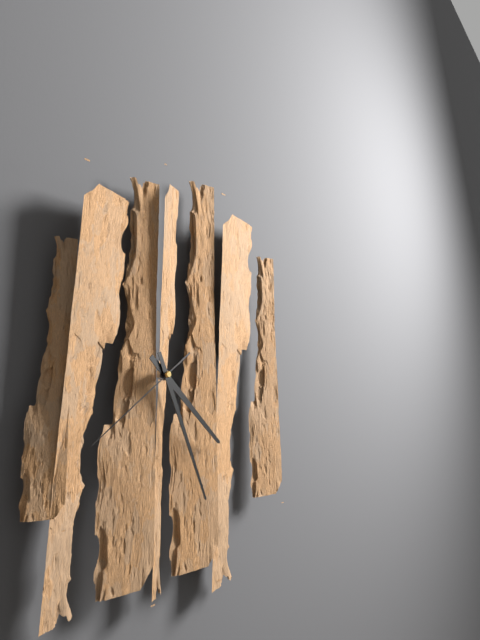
4:26:39
